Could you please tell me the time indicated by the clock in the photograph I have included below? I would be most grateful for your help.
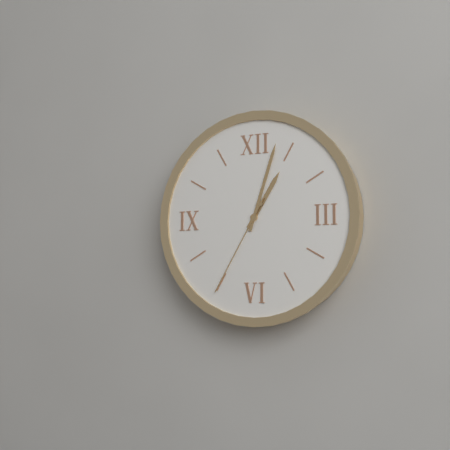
1:03:35
